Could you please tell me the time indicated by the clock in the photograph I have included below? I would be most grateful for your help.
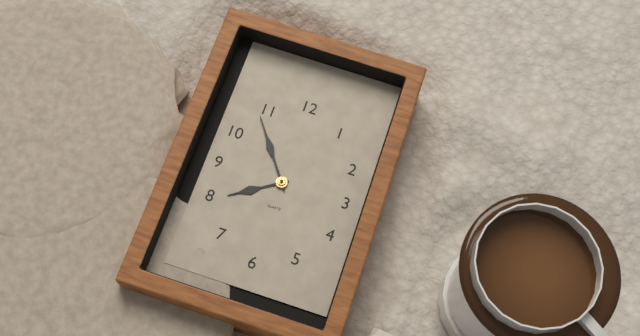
7:54
